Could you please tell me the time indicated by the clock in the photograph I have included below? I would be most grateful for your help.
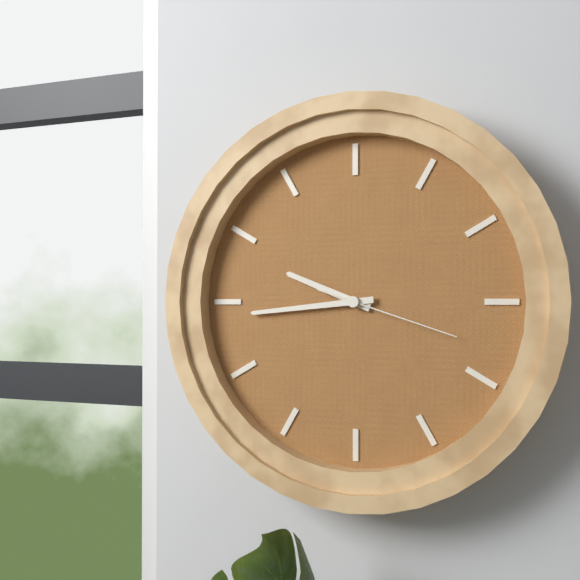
9:44:18
